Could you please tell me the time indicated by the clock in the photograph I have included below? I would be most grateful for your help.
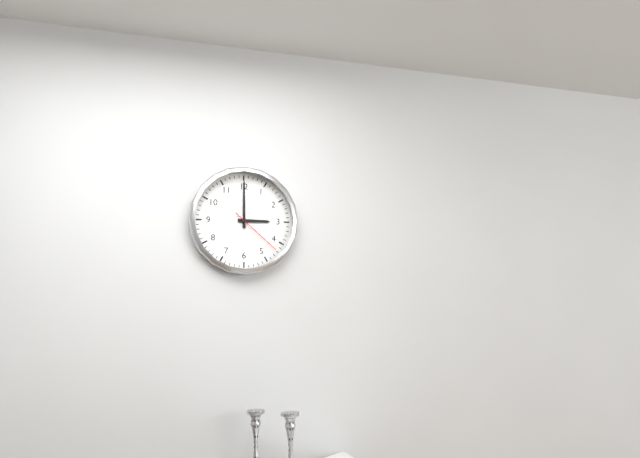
3:00:22
